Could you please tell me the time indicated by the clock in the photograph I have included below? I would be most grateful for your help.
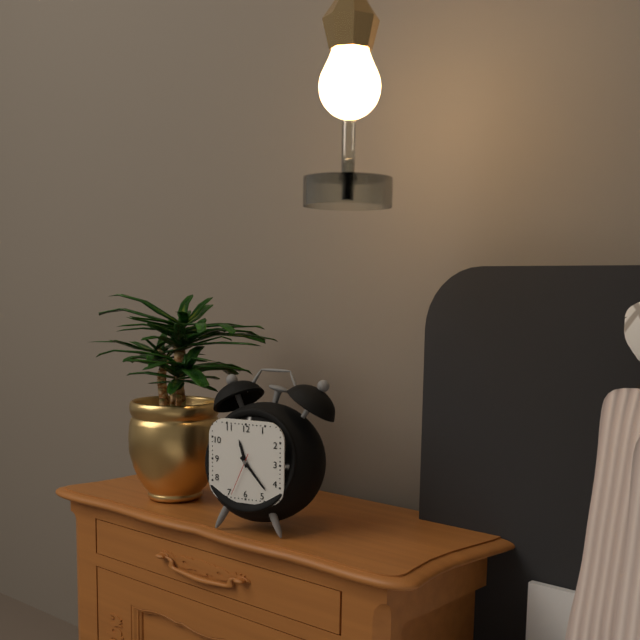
11:23
